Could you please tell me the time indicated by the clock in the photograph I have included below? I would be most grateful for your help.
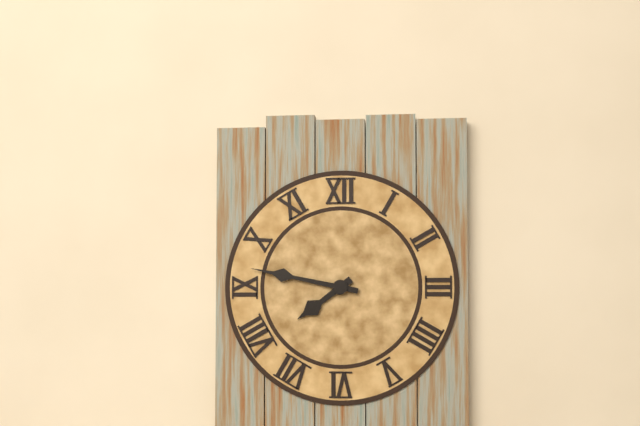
7:47
